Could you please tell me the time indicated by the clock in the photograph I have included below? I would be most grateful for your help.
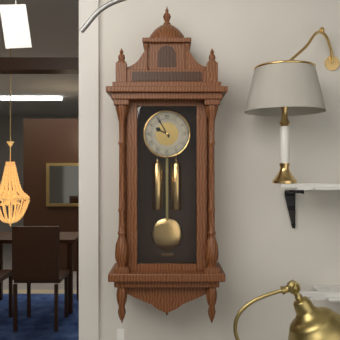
9:55
